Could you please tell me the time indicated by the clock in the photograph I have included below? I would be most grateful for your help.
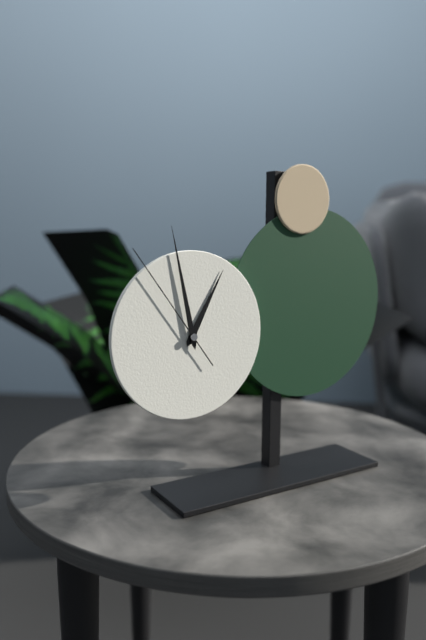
12:58:54
